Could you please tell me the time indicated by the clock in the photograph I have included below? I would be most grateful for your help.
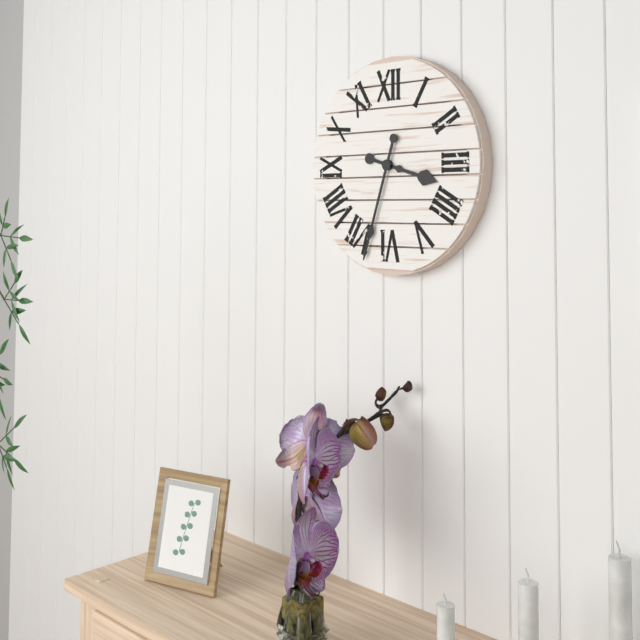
3:33
